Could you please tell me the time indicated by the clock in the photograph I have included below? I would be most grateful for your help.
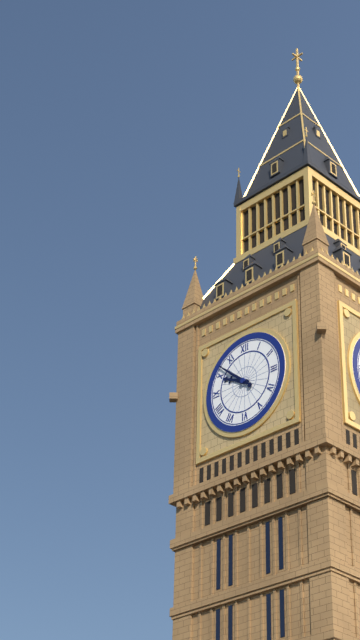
9:52
